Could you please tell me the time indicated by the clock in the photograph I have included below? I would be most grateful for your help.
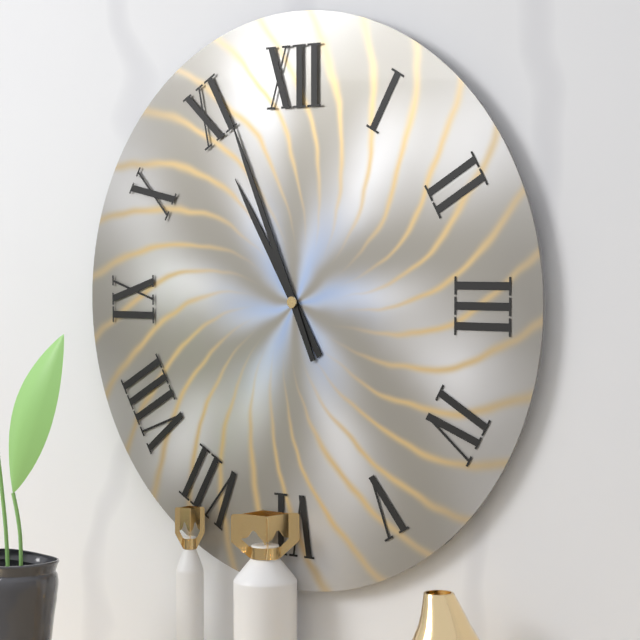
10:56
